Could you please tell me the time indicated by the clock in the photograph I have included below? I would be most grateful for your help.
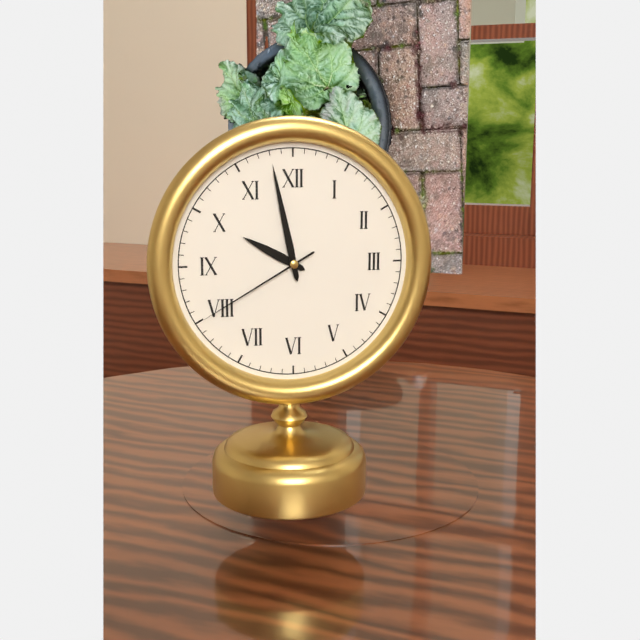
9:58:40
